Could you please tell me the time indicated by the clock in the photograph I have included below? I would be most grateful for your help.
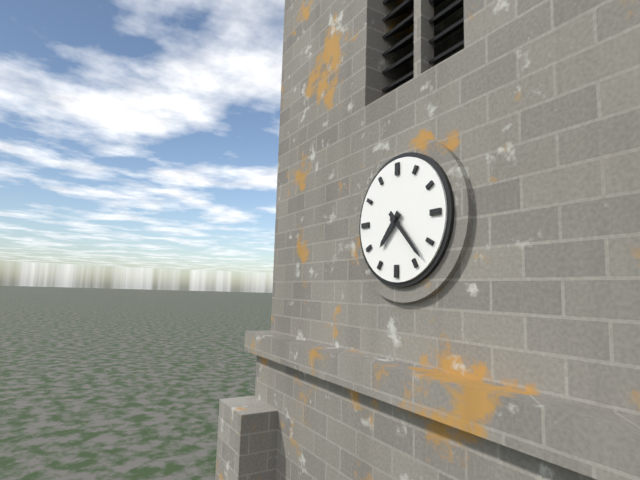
7:23
